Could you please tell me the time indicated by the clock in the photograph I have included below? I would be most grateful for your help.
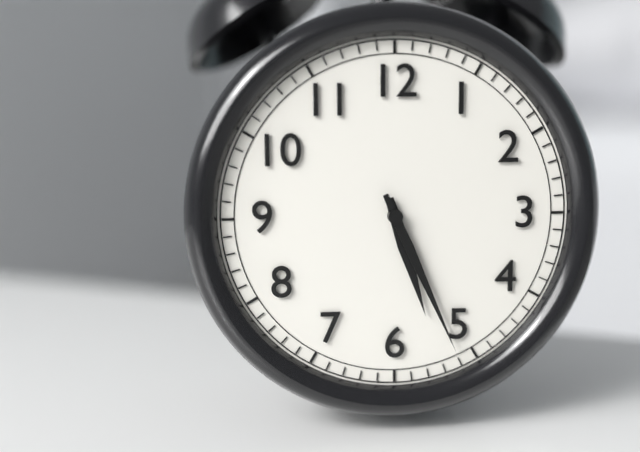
5:26
